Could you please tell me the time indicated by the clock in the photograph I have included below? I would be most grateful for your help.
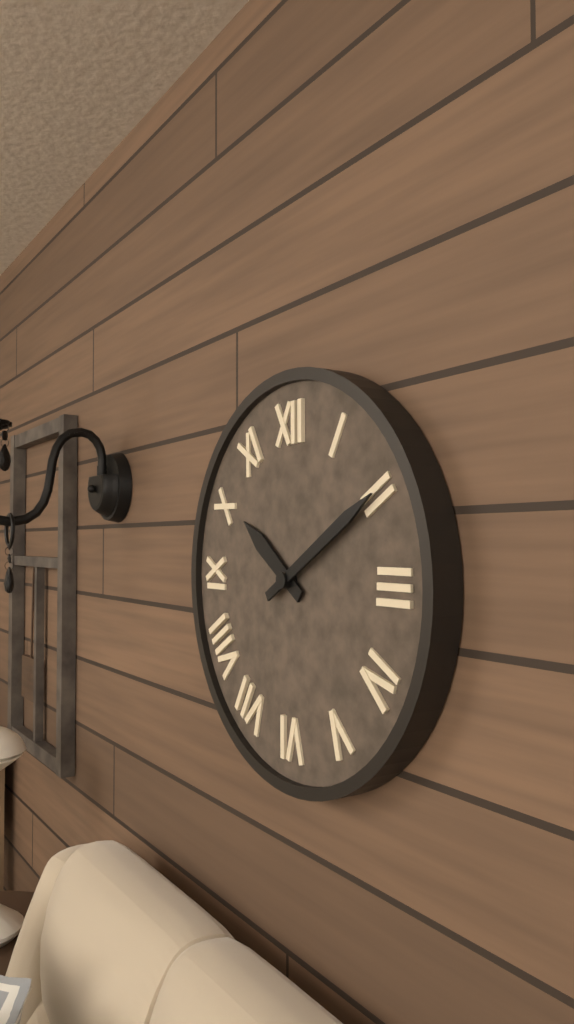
10:10
